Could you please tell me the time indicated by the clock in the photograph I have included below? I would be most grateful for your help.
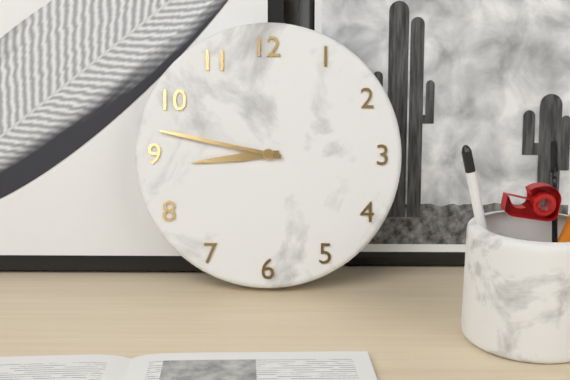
8:47
